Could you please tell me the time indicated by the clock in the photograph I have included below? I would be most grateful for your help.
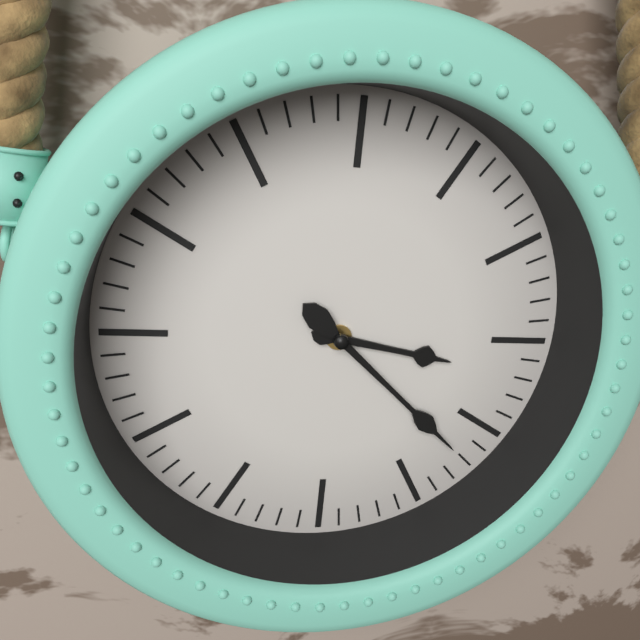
3:22
